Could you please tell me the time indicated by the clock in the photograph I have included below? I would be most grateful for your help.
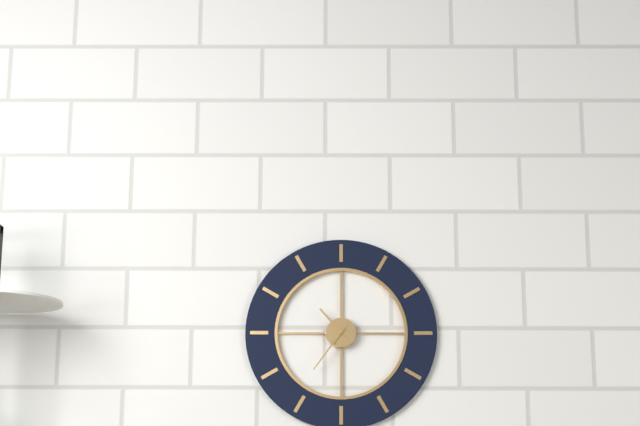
10:36
